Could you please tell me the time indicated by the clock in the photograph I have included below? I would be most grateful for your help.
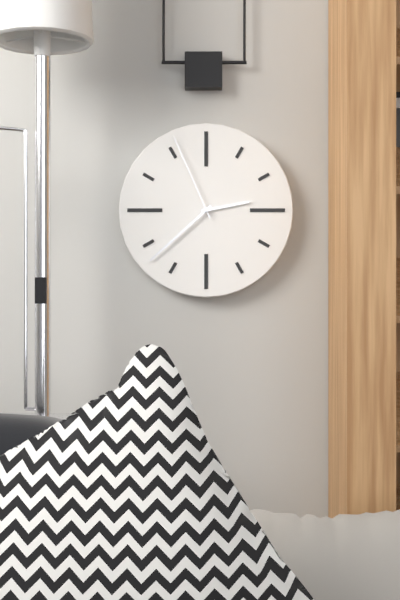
2:38:56
